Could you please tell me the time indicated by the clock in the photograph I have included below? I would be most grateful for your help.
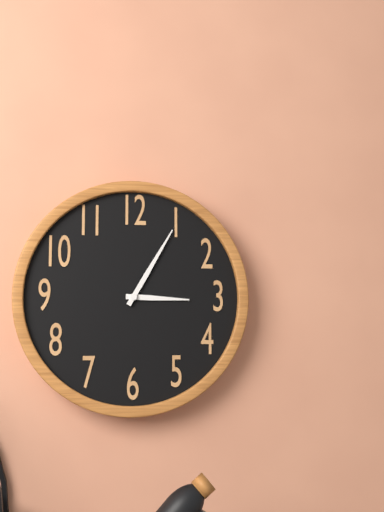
3:05
